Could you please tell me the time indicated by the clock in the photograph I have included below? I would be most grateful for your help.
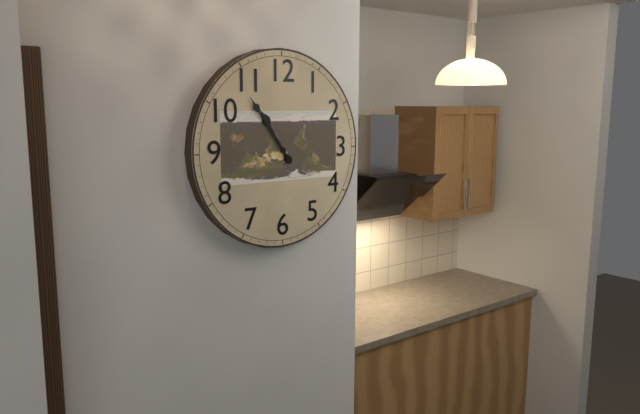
10:54
